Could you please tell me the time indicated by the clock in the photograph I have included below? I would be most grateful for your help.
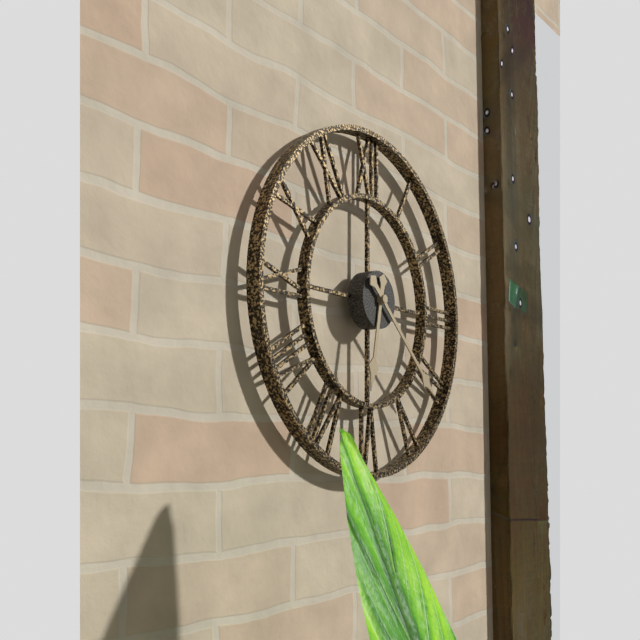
6:22
